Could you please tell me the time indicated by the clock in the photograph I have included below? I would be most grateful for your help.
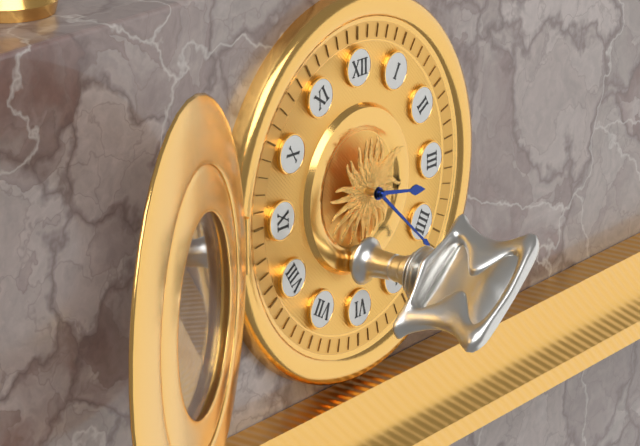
3:22
